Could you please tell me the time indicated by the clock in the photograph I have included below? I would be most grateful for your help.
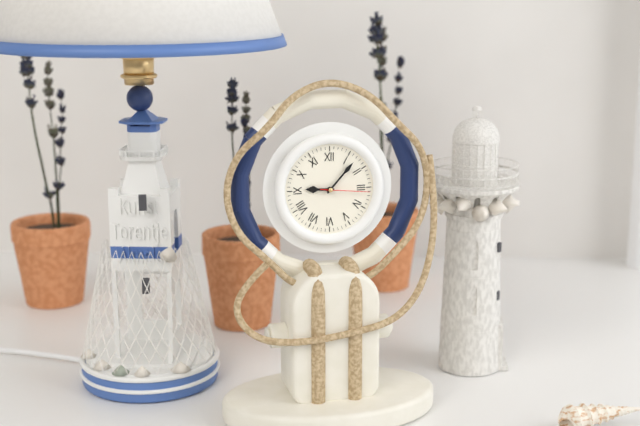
9:07
